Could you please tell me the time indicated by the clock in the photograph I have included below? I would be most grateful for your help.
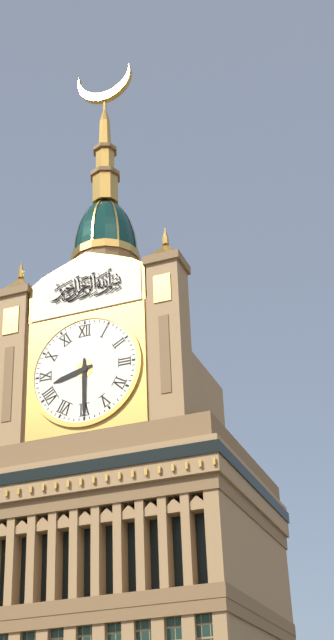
8:30
